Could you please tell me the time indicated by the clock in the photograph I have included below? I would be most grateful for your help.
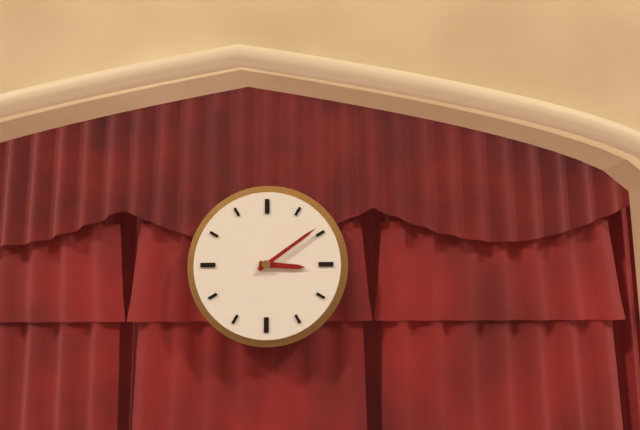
3:09
